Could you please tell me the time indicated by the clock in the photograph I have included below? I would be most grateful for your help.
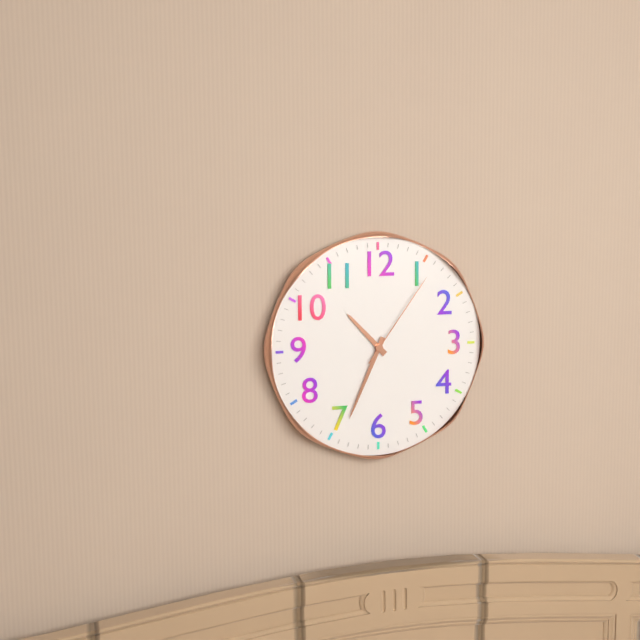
10:34:06
